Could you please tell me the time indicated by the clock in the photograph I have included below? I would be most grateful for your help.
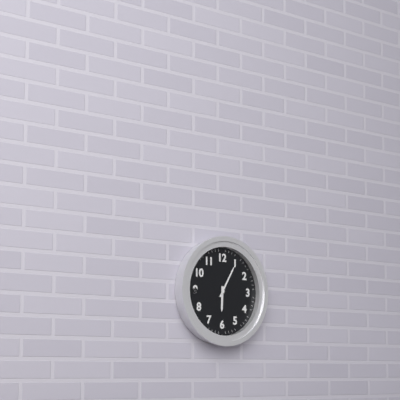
6:05
